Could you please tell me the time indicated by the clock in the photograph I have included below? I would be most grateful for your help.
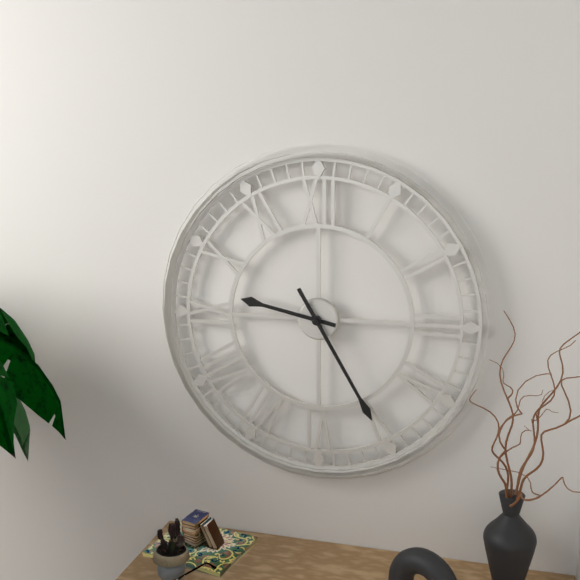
9:25
